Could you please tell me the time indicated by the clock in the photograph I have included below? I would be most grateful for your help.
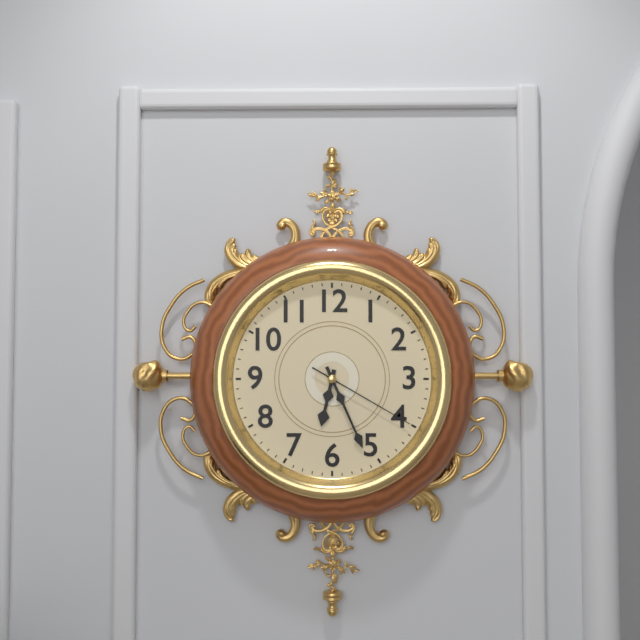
6:26:20
